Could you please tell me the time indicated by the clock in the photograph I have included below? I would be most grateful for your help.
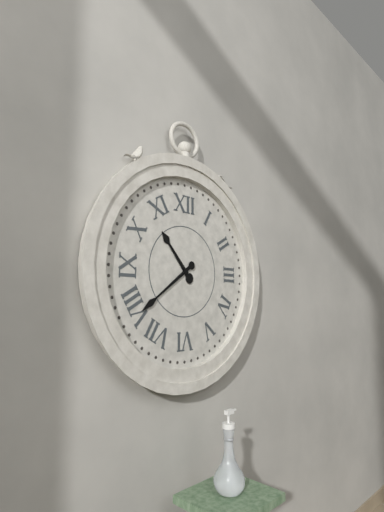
10:39
